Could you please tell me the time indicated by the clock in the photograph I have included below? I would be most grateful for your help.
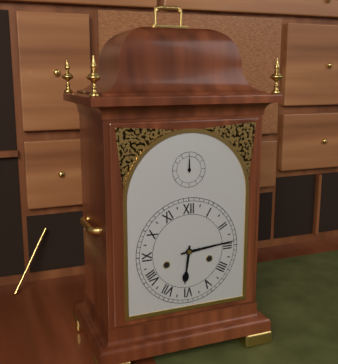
6:14
